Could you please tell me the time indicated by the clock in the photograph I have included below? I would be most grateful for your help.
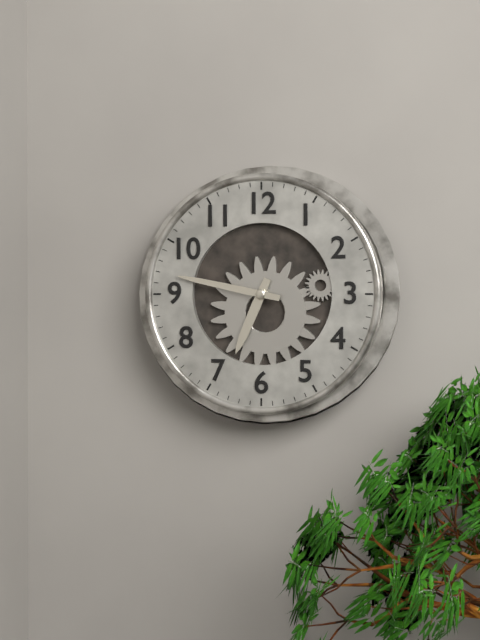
6:47
